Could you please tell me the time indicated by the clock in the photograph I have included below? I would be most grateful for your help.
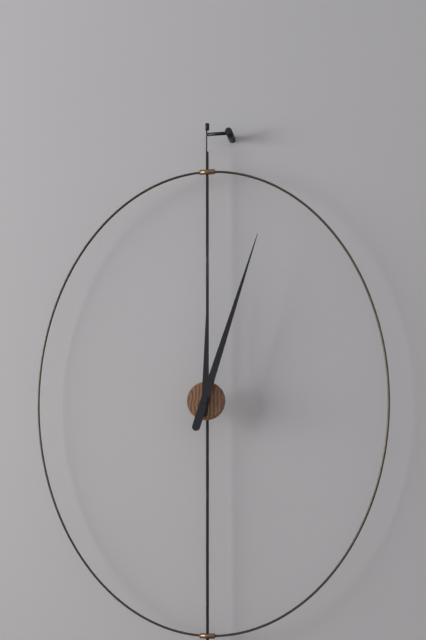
12:03
